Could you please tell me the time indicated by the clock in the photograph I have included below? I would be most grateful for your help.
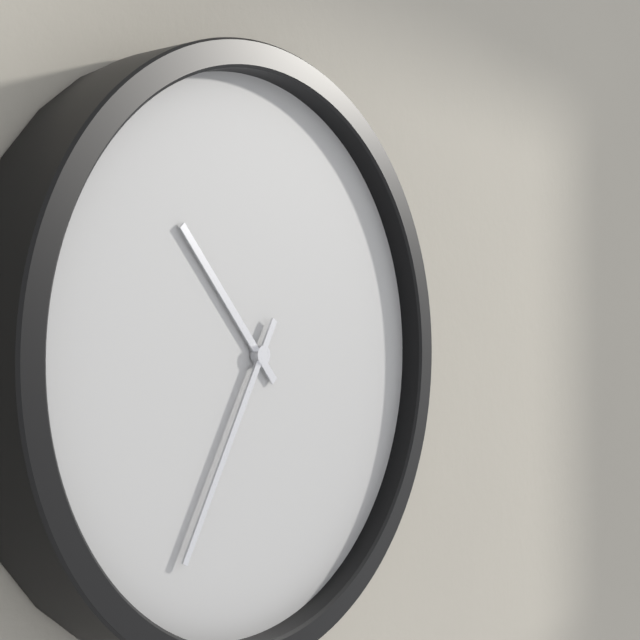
10:35
